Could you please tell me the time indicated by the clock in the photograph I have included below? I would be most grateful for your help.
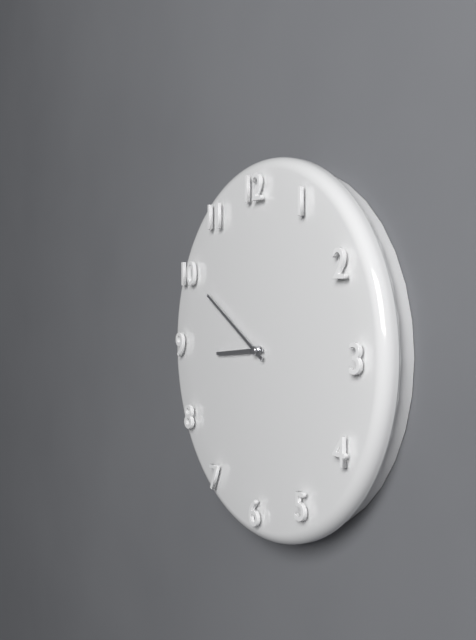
8:50
